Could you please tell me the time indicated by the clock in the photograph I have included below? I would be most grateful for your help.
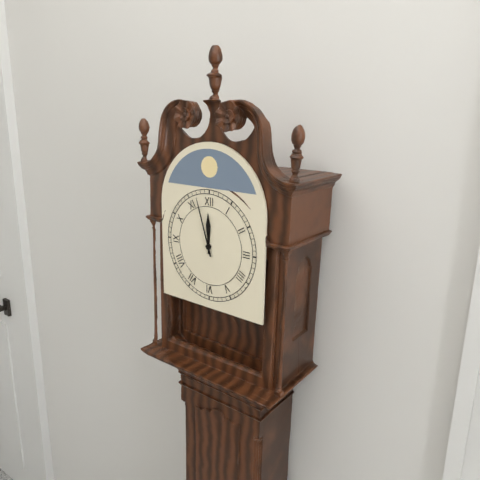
11:57
